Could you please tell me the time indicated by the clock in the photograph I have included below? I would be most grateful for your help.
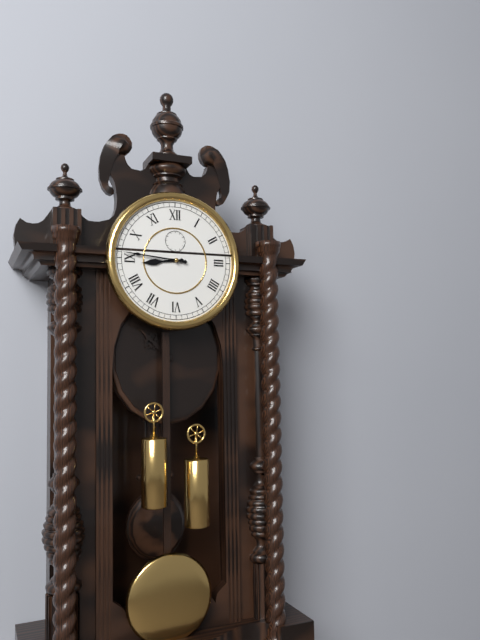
8:46
